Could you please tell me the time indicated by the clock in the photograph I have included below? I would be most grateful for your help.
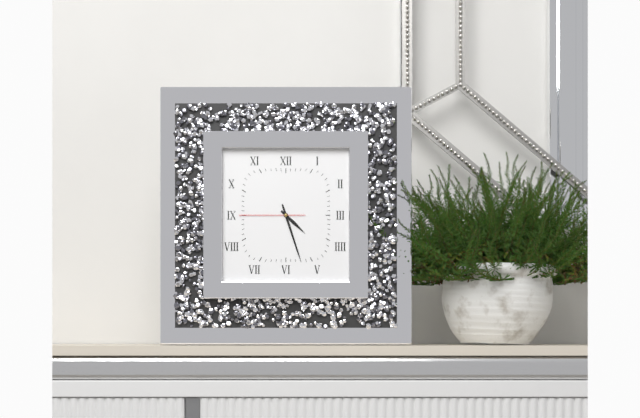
4:27:45
